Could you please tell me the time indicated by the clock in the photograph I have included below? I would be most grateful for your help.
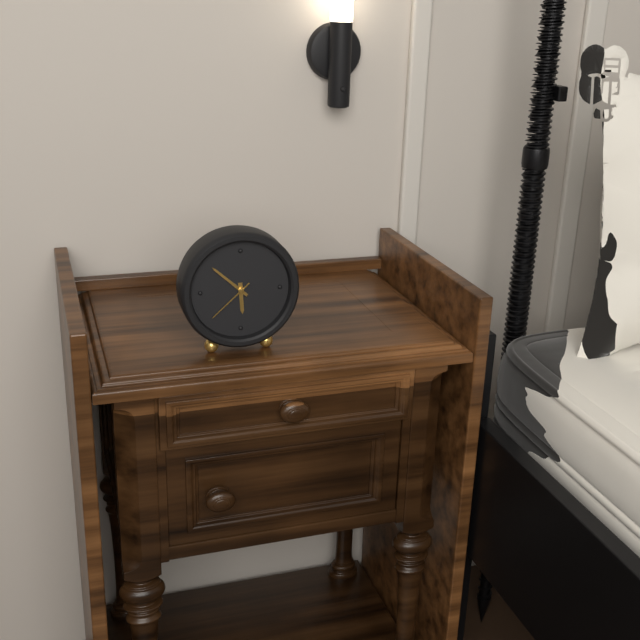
5:52:38
